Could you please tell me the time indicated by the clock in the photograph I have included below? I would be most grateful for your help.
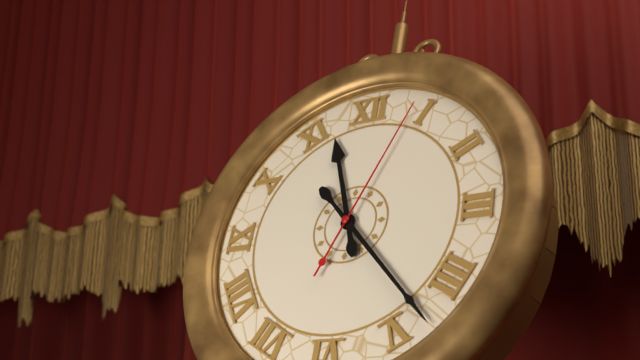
11:23:04
